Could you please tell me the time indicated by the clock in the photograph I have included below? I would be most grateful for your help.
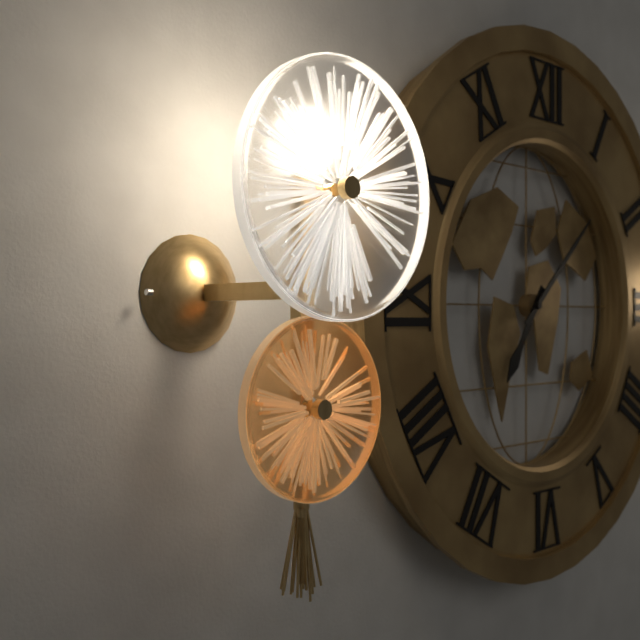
7:08
